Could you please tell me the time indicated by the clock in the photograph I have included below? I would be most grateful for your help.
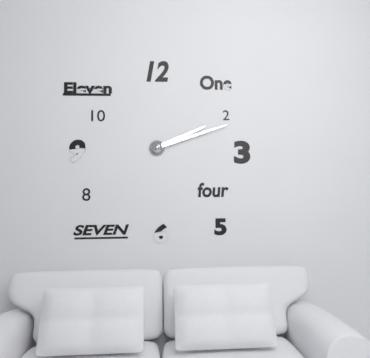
2:12
